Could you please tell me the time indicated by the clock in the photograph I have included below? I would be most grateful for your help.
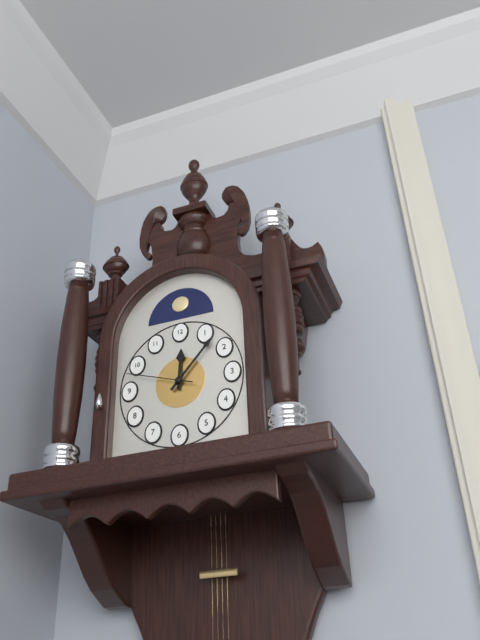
12:07:48
